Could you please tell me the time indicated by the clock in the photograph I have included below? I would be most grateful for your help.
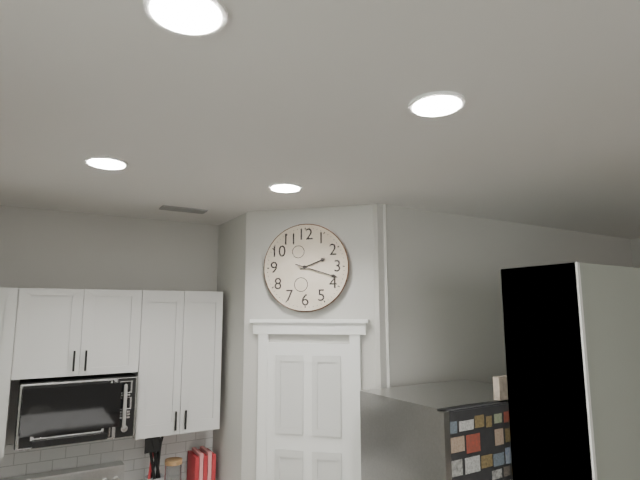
2:18
